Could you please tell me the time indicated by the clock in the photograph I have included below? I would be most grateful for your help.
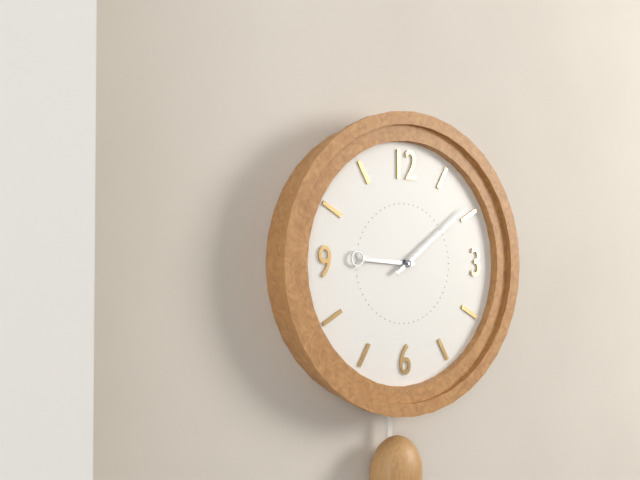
9:09
